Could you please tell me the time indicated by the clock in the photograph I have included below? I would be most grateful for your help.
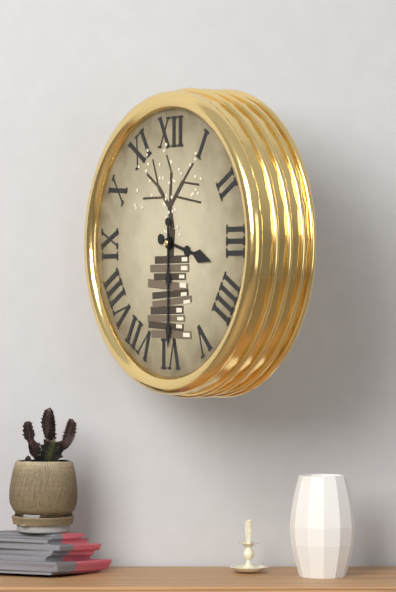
3:30
